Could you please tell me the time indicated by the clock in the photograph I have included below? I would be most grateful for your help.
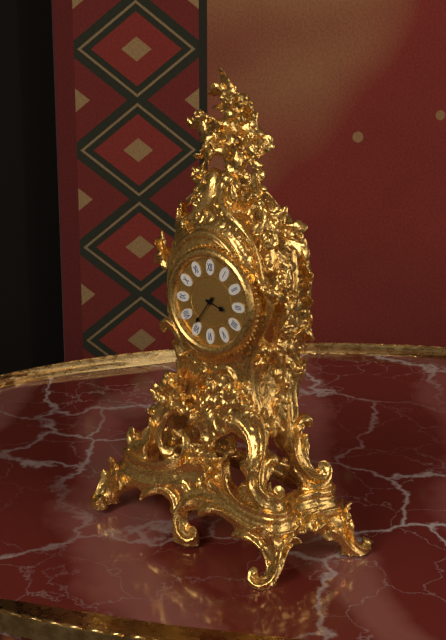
3:36
